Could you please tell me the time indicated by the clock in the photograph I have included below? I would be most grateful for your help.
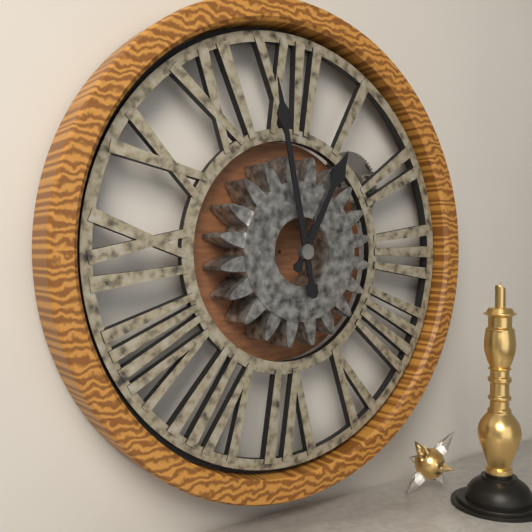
12:58
